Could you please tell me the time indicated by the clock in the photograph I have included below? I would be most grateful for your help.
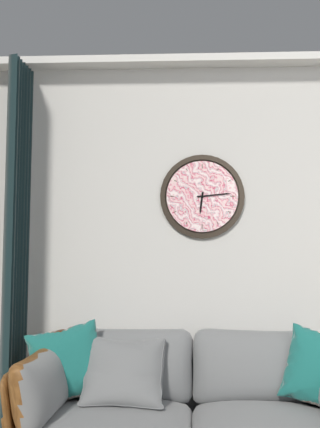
6:14
